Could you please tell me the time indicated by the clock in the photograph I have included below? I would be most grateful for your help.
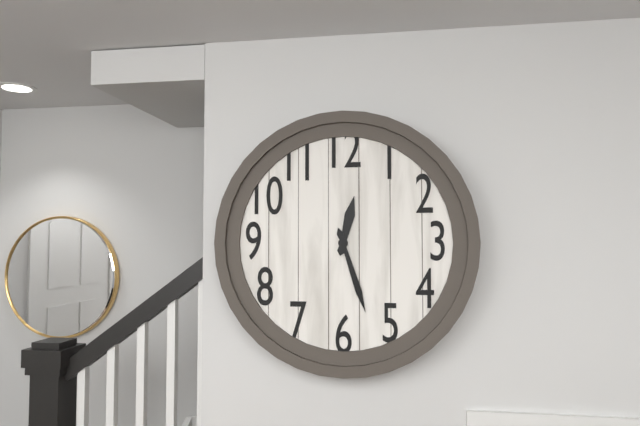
12:27
